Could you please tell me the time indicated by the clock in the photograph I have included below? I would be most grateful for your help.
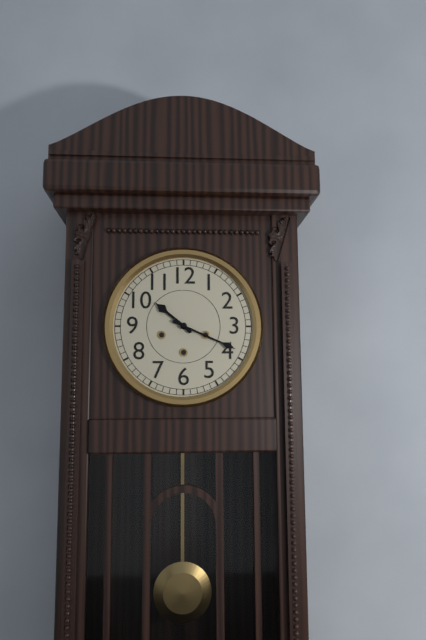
10:19
